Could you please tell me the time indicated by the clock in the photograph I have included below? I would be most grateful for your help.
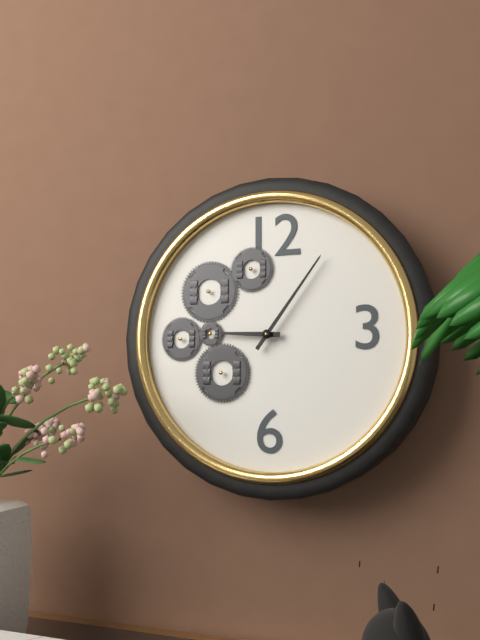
9:06
